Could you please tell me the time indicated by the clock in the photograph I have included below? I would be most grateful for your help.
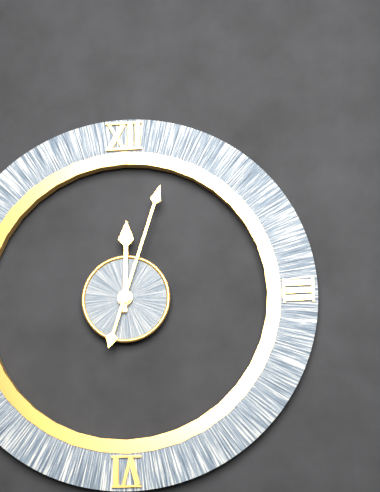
12:03
